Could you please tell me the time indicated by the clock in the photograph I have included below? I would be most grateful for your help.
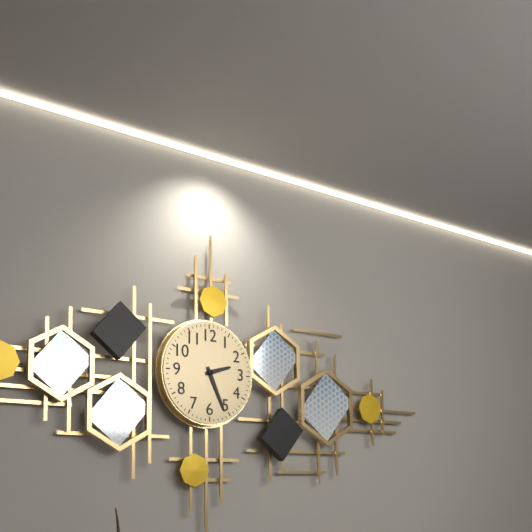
2:26
